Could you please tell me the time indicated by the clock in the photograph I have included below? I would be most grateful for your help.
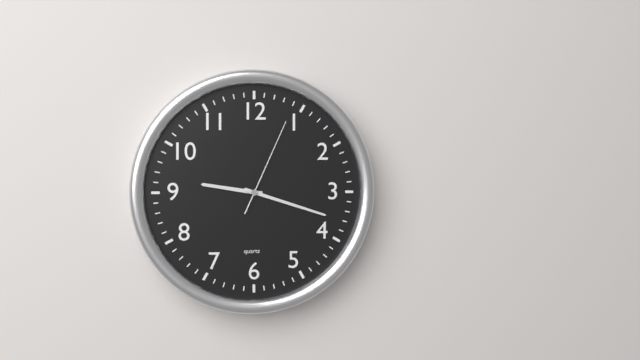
9:18:04
